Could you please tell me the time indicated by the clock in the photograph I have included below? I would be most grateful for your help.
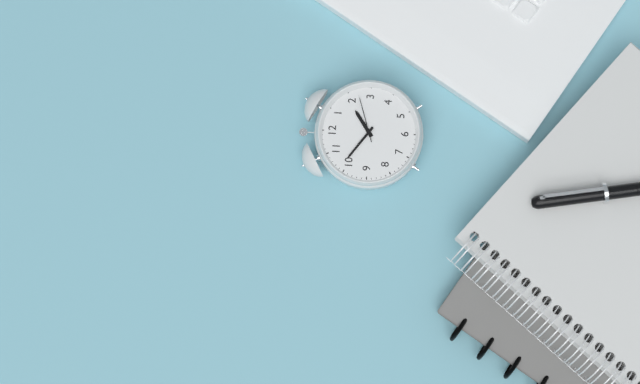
1:51
